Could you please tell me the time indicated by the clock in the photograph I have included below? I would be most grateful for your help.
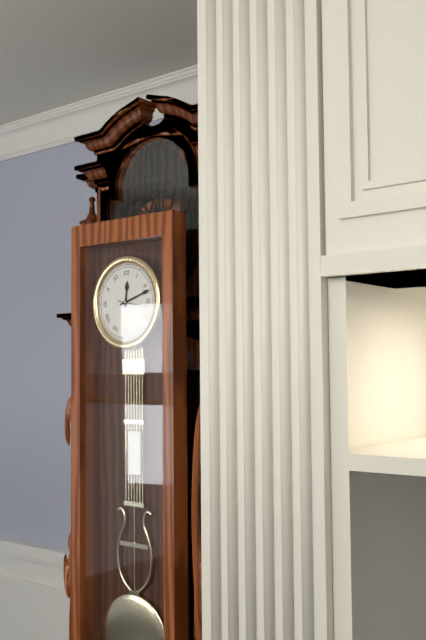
12:12
